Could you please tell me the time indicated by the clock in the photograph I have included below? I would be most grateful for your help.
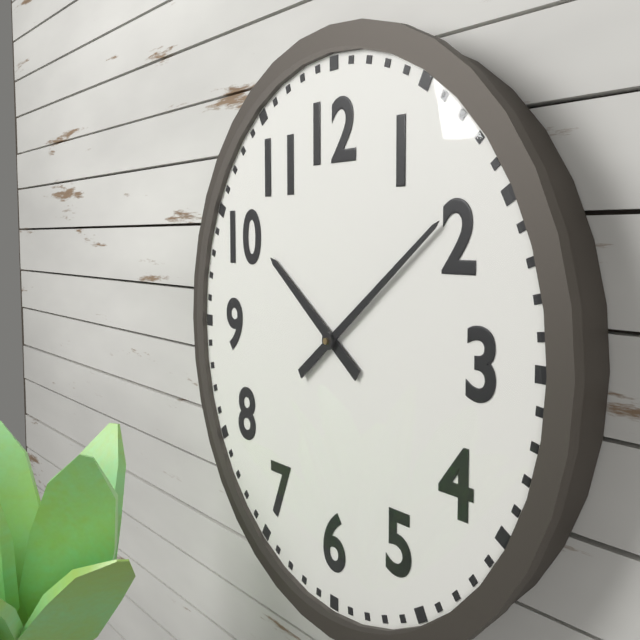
10:09
